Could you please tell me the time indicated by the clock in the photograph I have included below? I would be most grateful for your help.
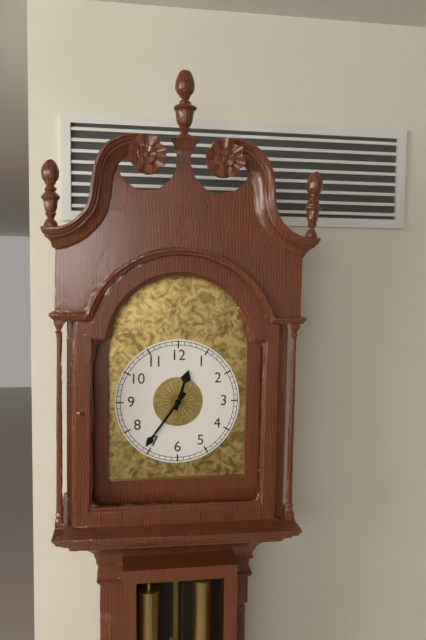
12:36
